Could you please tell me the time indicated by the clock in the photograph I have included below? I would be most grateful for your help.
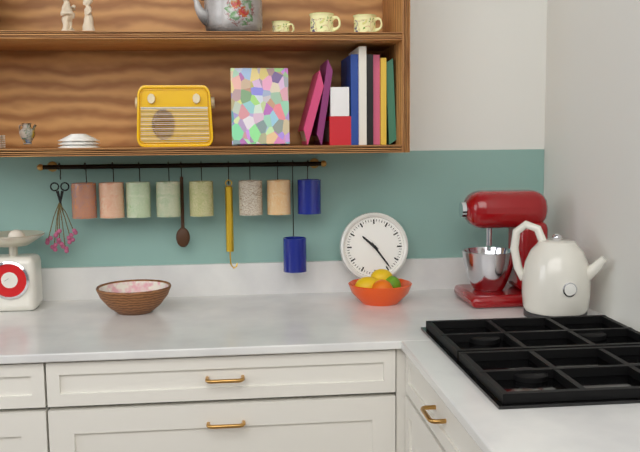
10:24
